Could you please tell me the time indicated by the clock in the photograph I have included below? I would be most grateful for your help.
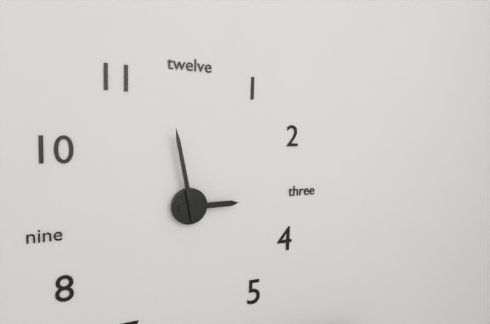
2:58
